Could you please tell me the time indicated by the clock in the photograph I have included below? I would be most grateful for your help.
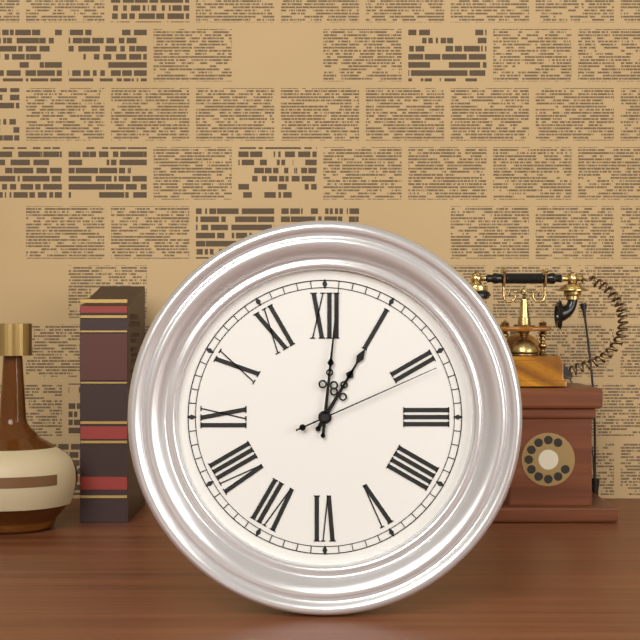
1:01:11
